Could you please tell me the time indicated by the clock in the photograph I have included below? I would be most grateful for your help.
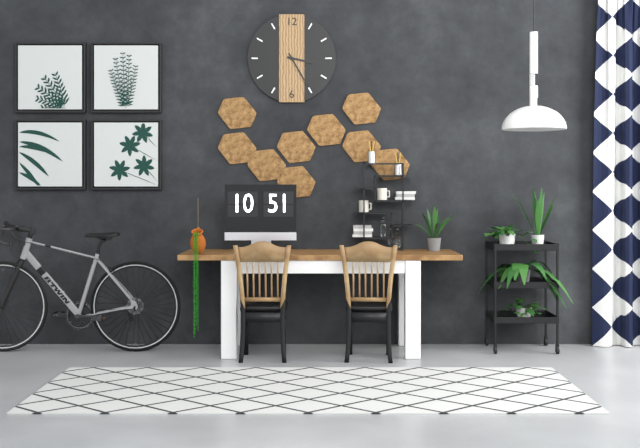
3:25
